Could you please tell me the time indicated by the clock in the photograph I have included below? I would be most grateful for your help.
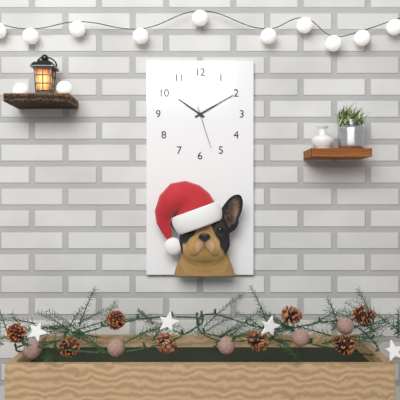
10:10
